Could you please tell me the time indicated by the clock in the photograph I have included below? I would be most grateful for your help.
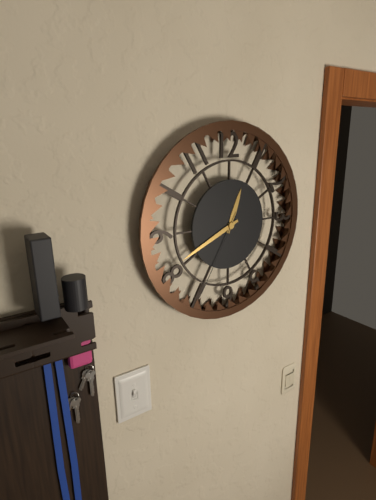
12:41:35
